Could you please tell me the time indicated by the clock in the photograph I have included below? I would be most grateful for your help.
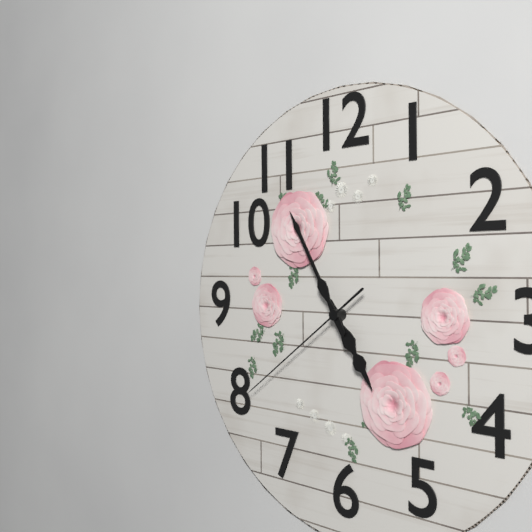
4:55:39
